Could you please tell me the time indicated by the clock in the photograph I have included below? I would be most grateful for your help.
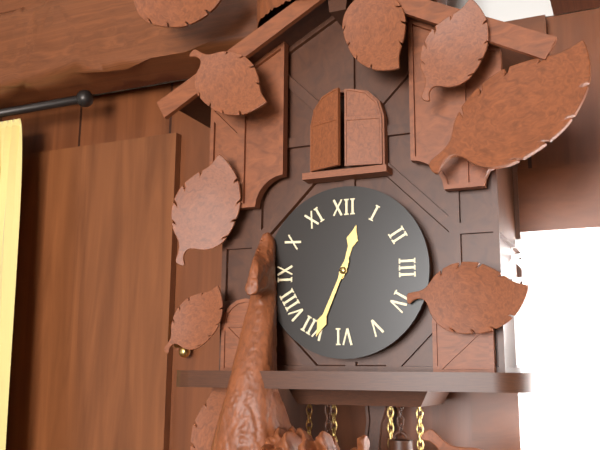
12:34
